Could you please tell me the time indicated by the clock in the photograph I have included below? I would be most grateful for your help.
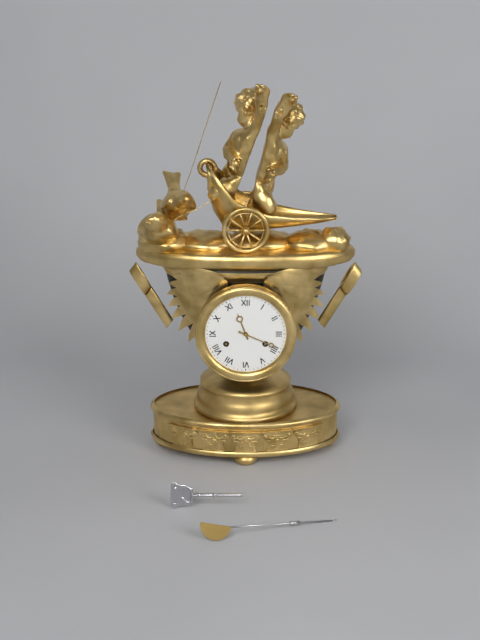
11:19
